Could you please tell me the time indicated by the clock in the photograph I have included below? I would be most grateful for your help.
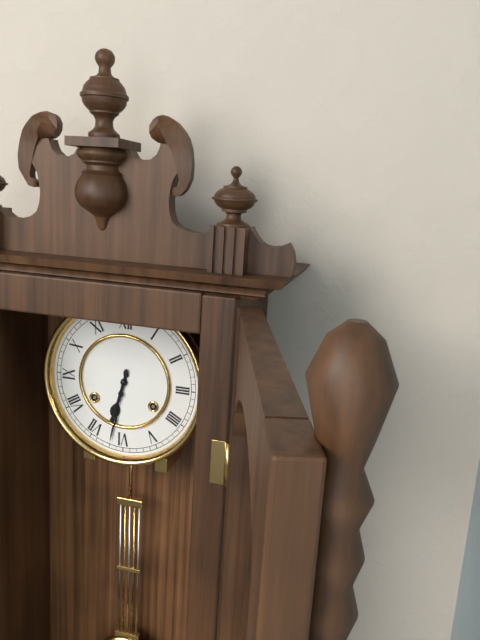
6:32
